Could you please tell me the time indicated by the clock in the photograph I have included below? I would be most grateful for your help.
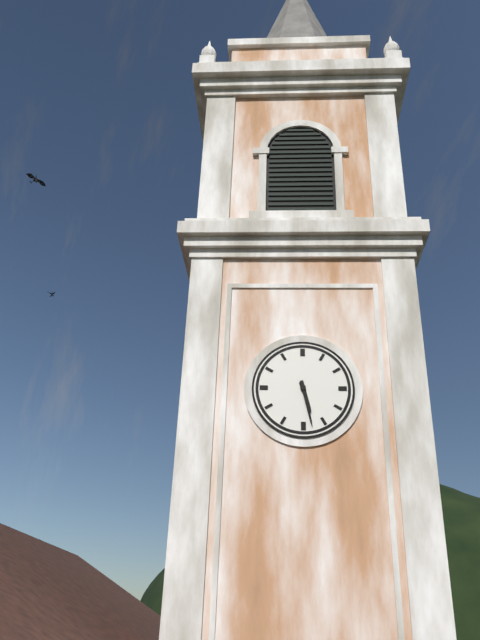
5:28
